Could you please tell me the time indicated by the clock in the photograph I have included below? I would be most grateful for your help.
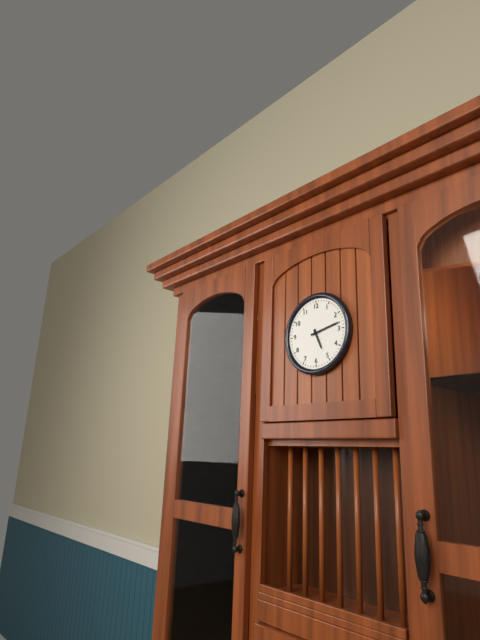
5:13
